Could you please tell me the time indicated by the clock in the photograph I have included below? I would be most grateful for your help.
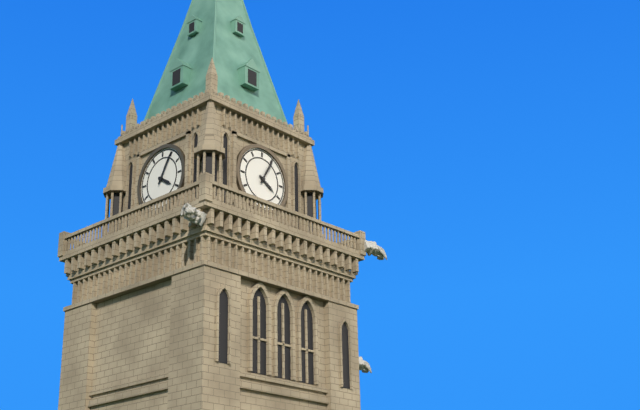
4:05
